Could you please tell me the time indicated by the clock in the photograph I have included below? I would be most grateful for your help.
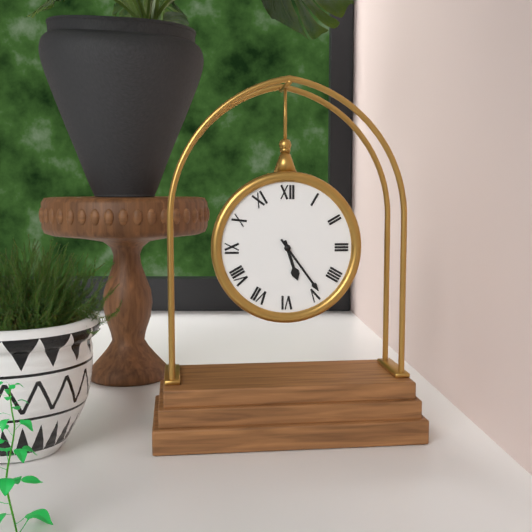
5:24
